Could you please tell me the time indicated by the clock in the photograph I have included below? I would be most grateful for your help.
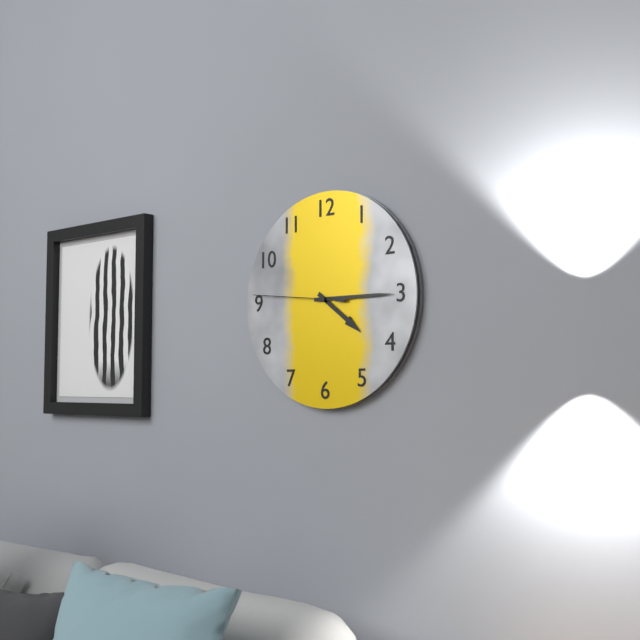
4:15:46
